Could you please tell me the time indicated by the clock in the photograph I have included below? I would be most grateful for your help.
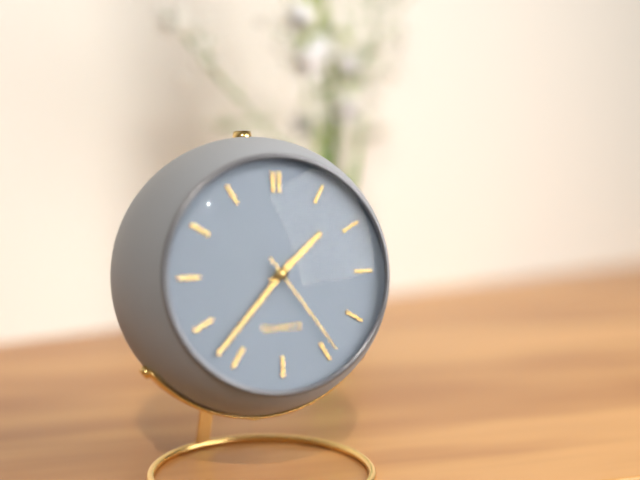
1:37:24
